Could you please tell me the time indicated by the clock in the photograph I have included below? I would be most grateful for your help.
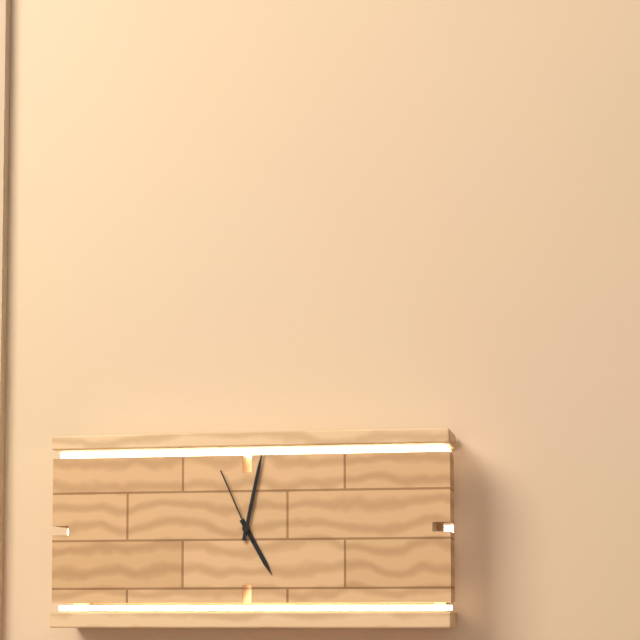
5:02:56
